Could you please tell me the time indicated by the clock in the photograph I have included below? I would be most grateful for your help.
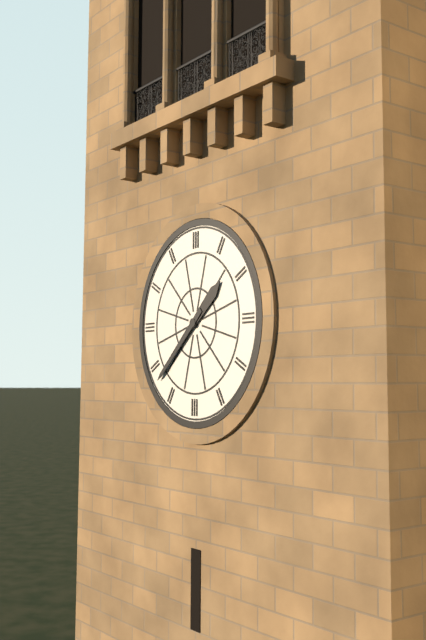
1:38
